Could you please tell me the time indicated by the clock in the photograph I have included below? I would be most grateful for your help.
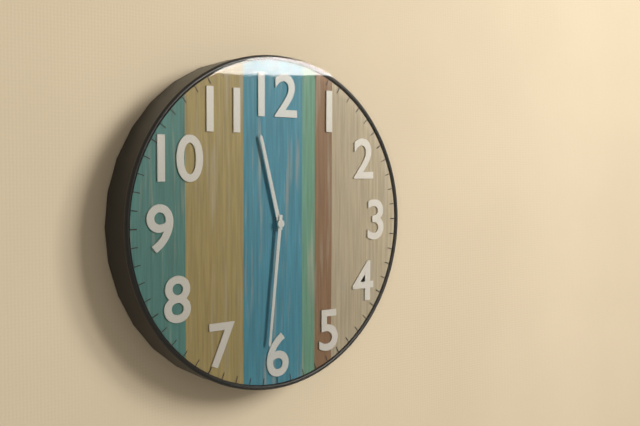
11:31
